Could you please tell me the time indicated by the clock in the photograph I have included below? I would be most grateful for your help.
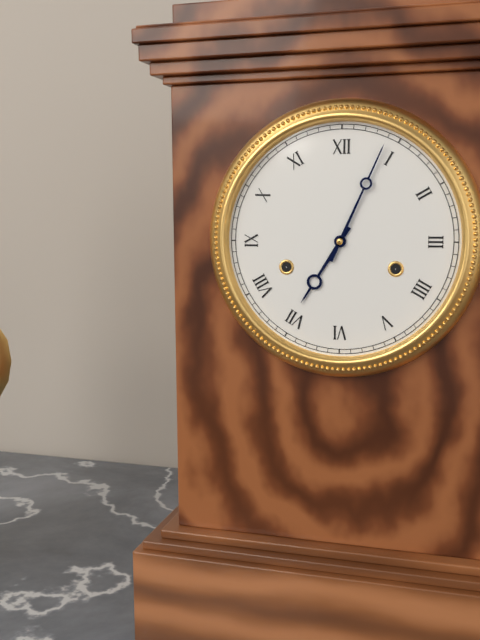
7:04
